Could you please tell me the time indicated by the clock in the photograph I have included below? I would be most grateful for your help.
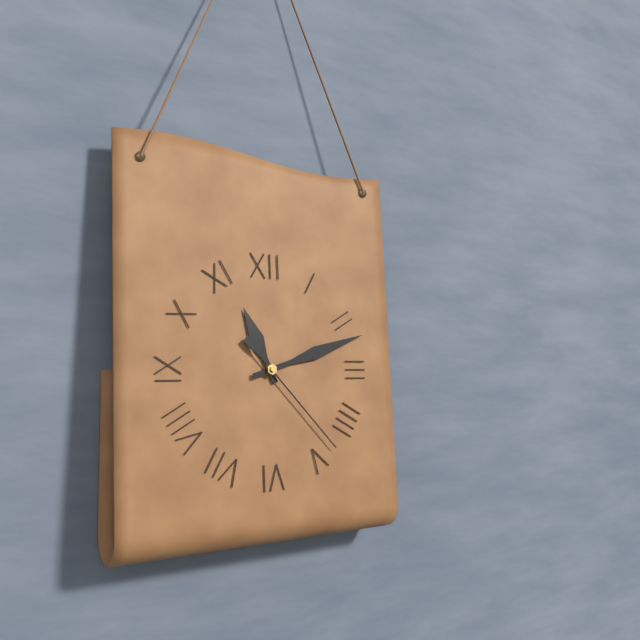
11:12:23
